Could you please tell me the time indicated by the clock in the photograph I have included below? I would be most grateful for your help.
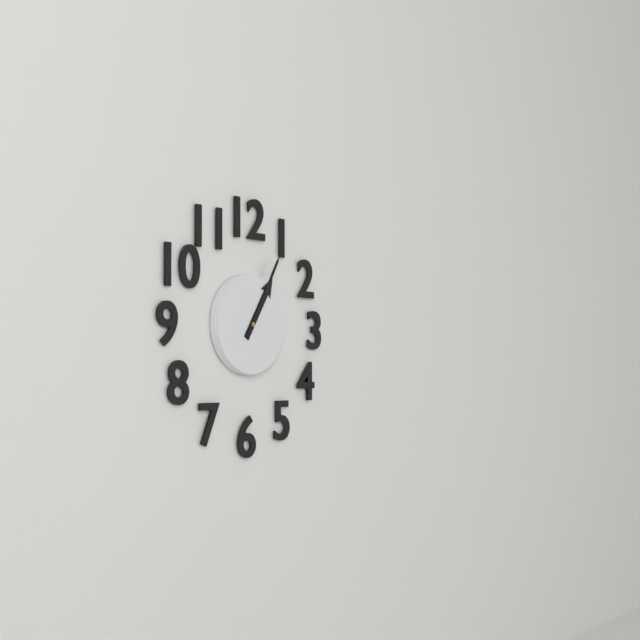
1:05
